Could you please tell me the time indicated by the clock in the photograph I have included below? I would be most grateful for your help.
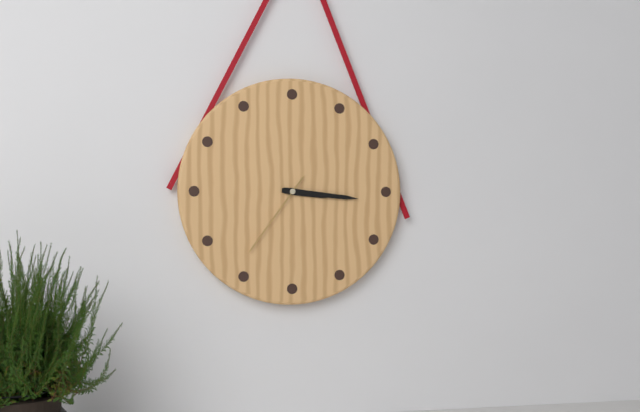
3:16:36
